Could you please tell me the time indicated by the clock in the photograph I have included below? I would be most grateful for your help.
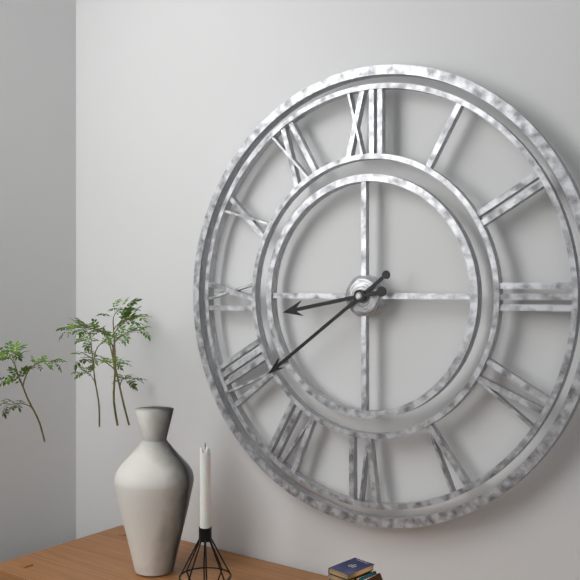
8:39
